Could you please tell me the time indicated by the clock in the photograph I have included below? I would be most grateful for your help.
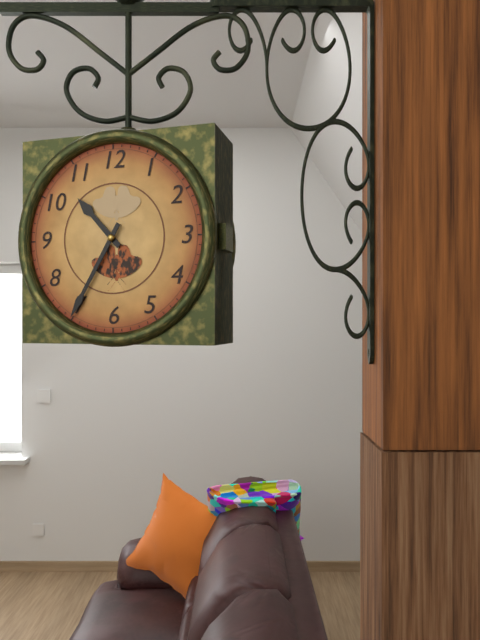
10:35
